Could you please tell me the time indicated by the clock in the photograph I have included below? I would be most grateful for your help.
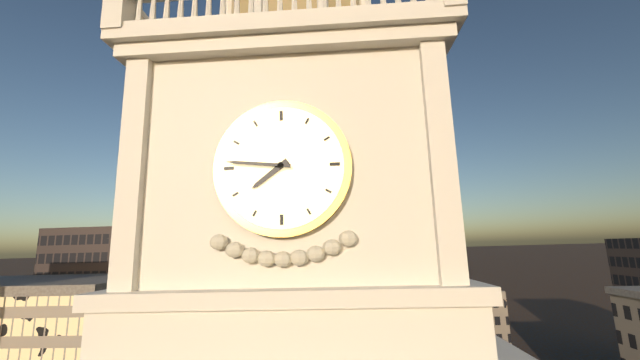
7:46
